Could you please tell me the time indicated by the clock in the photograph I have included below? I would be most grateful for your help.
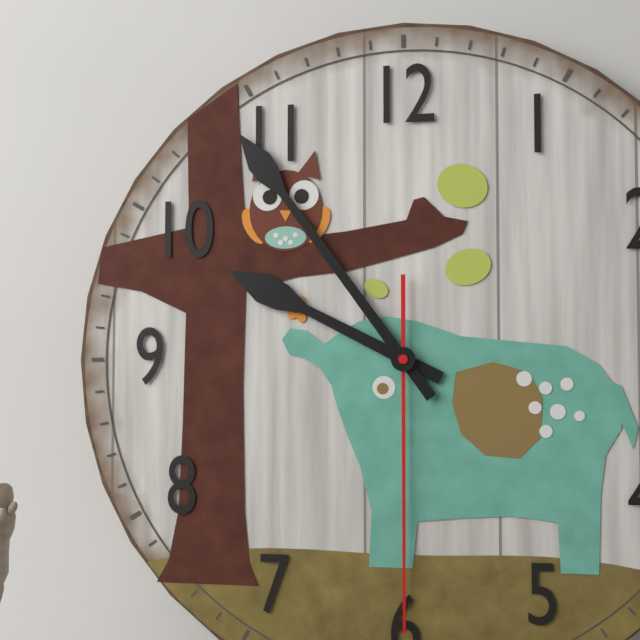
9:54:30
